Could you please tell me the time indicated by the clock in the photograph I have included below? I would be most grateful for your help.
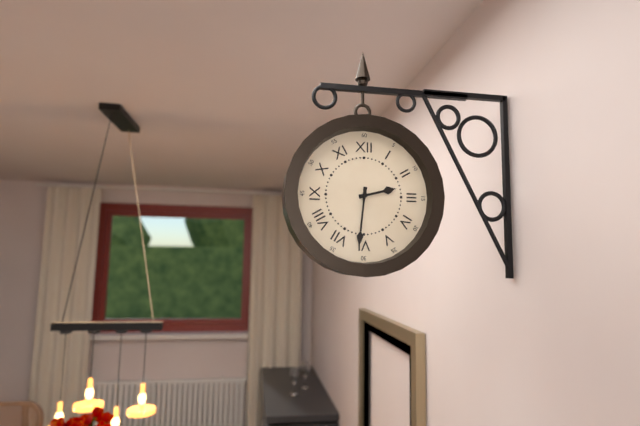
2:31
